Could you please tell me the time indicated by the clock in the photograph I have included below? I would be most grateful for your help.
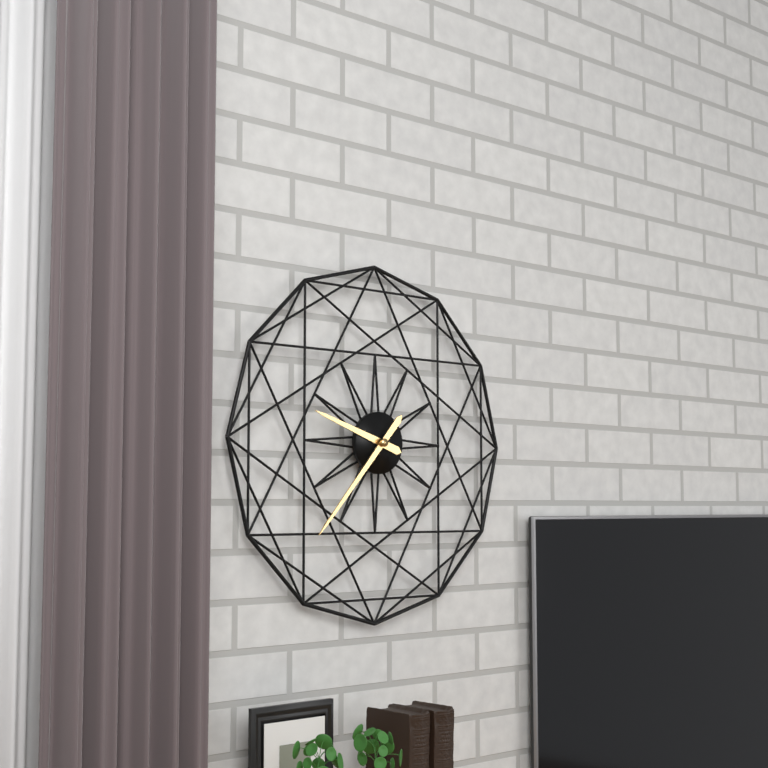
9:37
